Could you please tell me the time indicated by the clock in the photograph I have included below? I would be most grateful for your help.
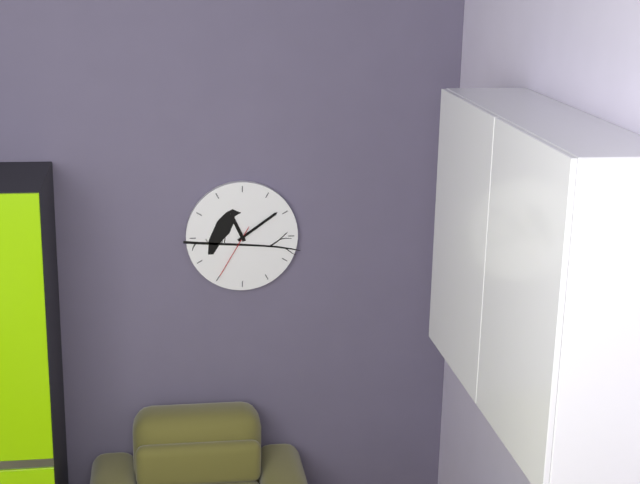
11:09:35
